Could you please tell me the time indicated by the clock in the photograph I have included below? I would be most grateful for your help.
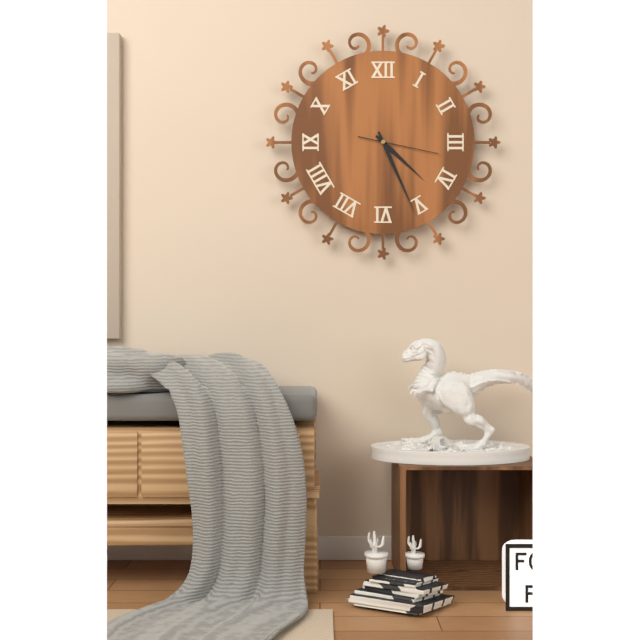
4:26:17
